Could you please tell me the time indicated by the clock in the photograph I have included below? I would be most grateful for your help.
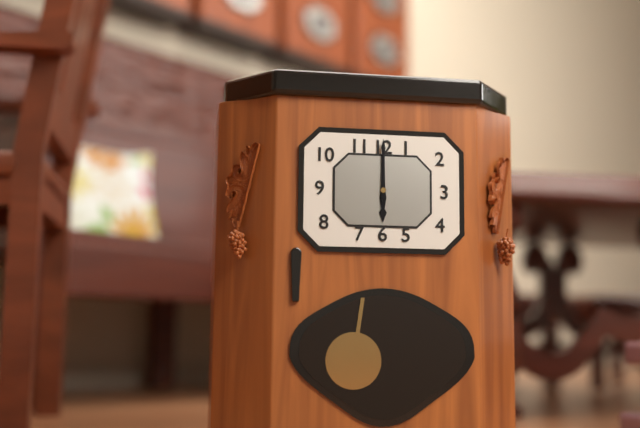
6:00
